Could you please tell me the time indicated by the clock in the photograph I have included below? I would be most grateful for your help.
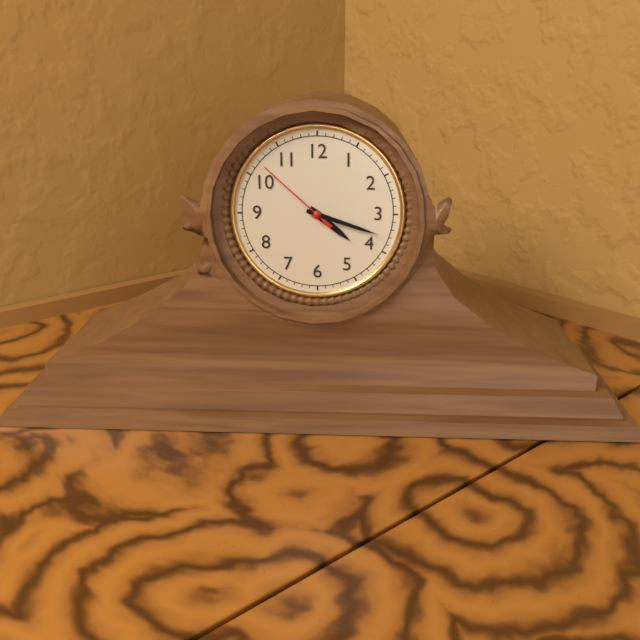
4:18:52
